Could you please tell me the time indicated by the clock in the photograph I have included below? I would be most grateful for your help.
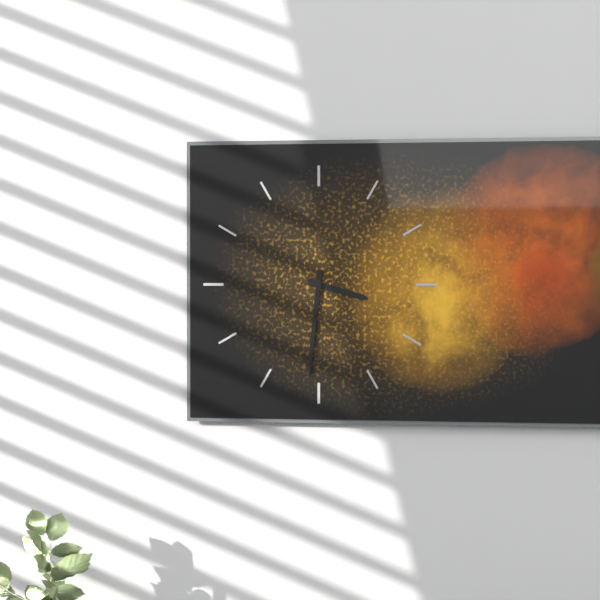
3:31
